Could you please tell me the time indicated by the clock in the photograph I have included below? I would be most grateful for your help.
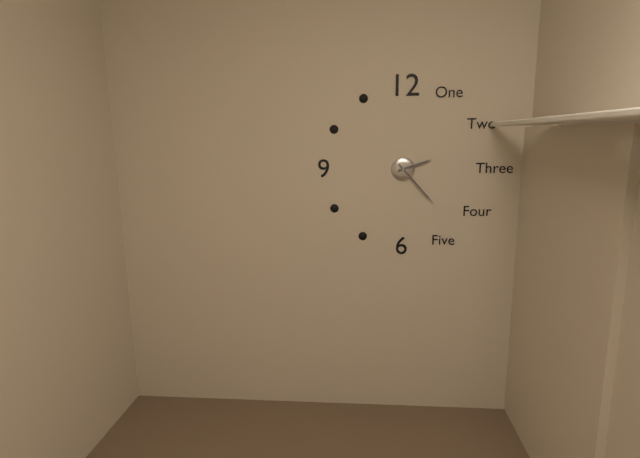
2:23
